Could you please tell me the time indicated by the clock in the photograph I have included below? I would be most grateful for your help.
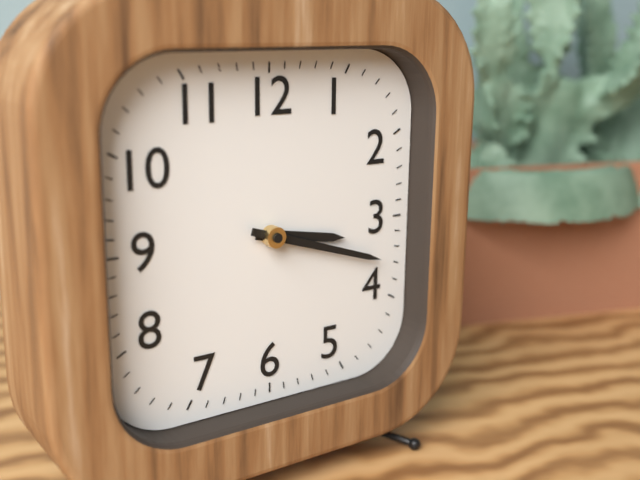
3:18
